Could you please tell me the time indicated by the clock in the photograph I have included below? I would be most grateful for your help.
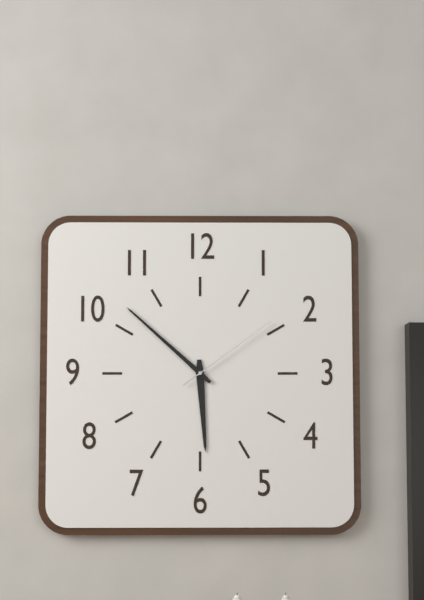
5:52:09
